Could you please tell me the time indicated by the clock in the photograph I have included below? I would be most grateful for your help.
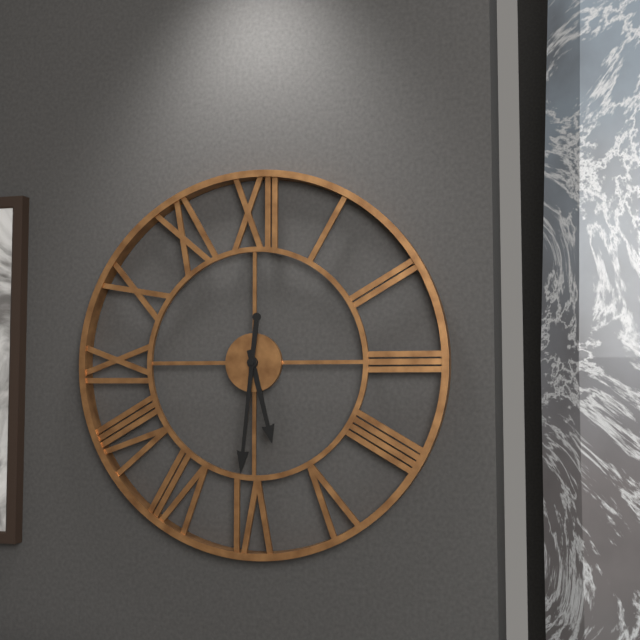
5:31
